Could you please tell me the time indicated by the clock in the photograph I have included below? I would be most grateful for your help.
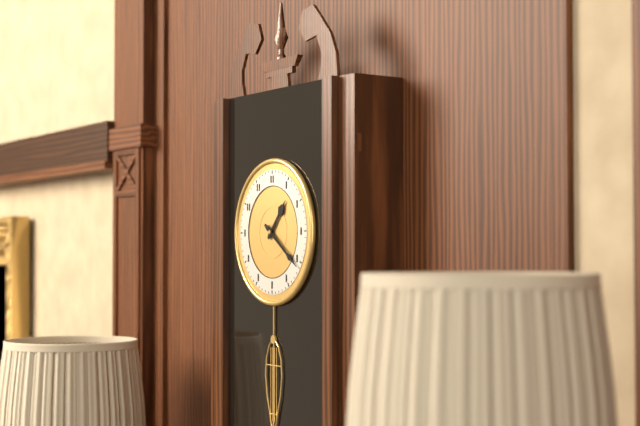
1:21
